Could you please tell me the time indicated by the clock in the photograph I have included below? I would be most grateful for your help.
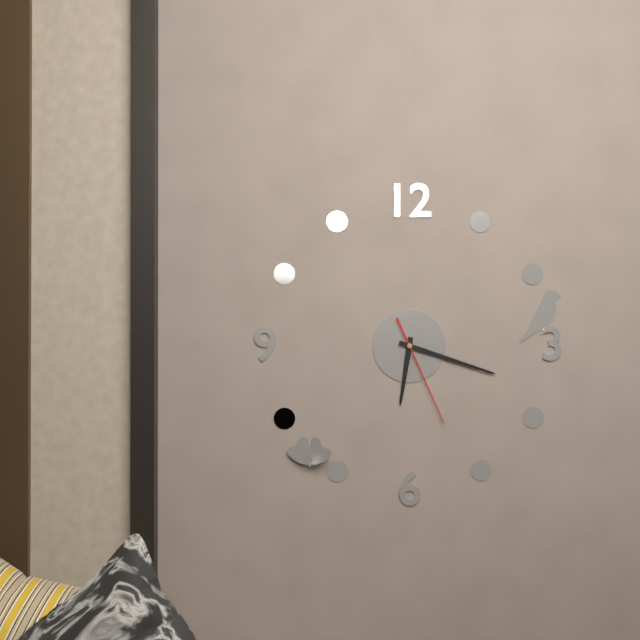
6:18:26
